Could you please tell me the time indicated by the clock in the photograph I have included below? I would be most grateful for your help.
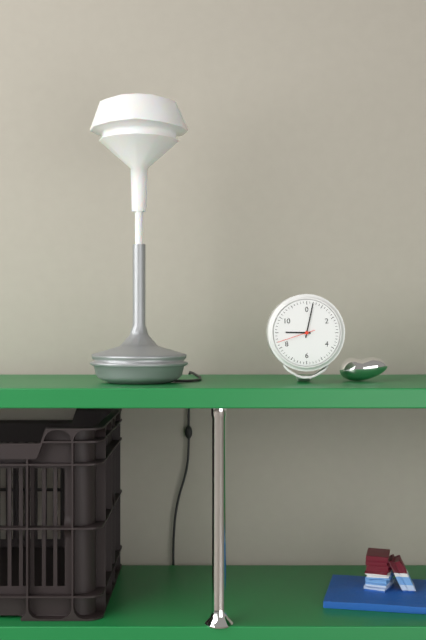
9:02
